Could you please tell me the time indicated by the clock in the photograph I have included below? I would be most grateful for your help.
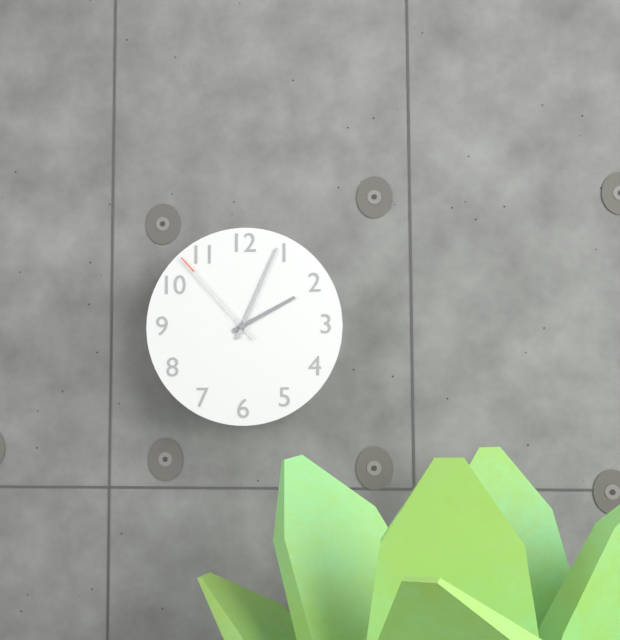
2:04:53
